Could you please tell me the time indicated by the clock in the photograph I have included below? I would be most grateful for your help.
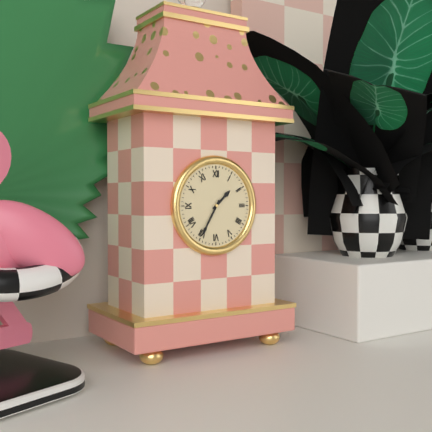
1:35
